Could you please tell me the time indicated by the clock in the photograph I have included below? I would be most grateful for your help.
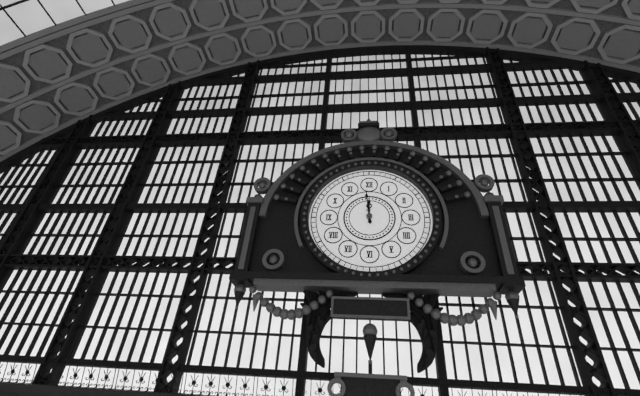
11:59
